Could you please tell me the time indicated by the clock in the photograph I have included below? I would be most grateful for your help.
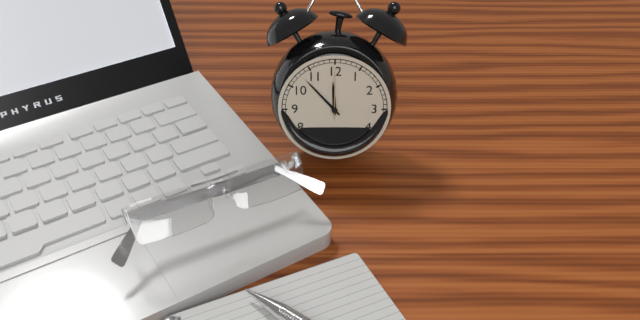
11:53:00
